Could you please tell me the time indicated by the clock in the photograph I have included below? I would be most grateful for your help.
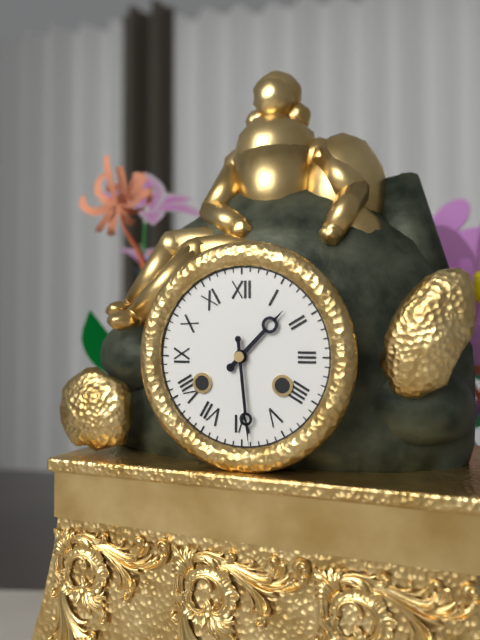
1:29
